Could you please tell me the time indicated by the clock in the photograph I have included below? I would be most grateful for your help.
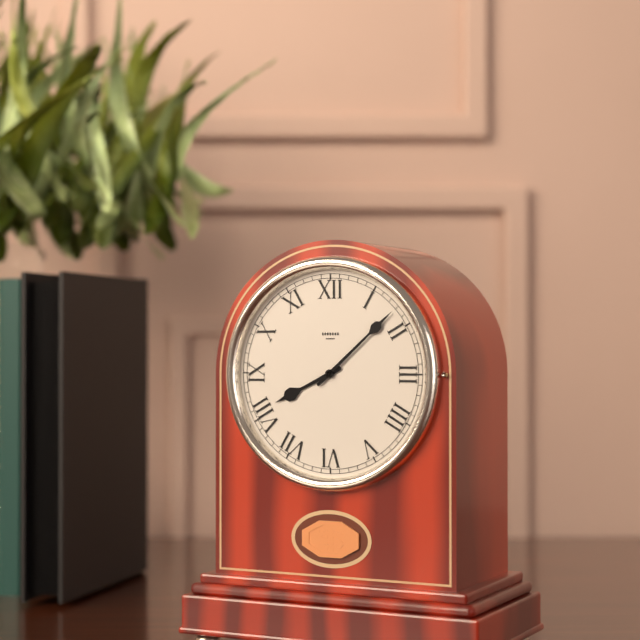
8:08
